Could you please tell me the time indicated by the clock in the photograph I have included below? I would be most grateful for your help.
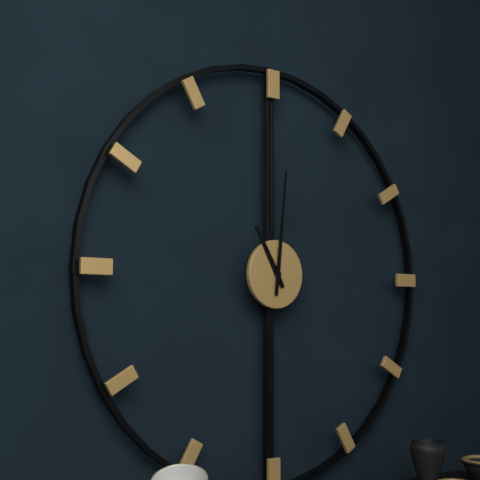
11:01
